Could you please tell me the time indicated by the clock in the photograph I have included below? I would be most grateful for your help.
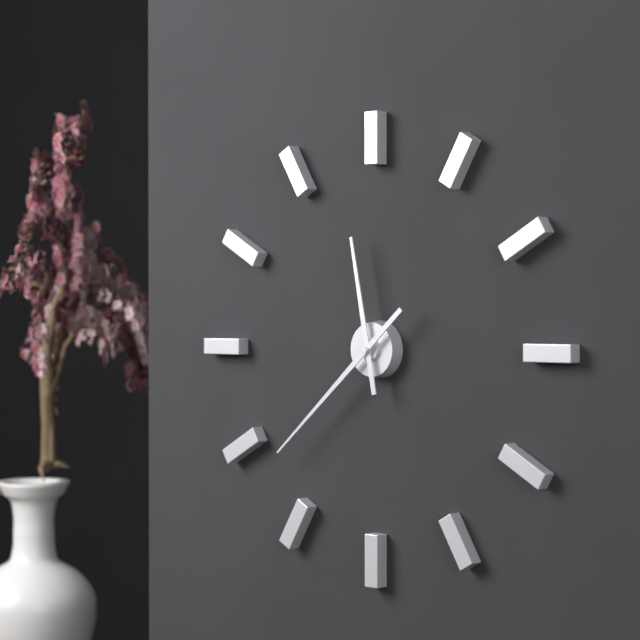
11:38
